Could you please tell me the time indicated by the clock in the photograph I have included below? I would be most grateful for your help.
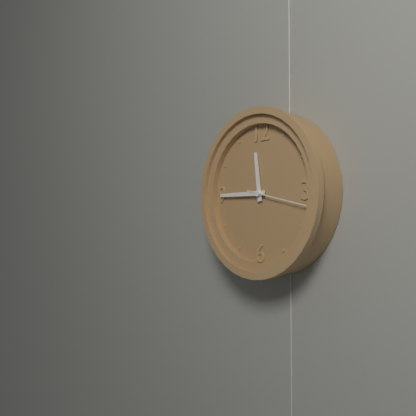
11:45:17
